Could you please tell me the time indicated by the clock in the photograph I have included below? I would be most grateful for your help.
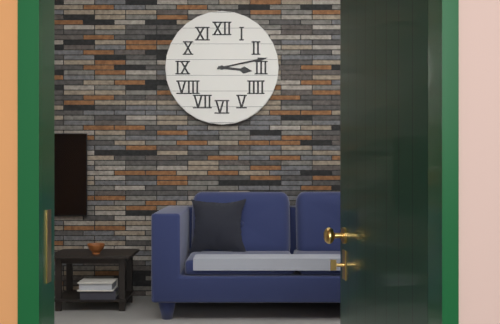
3:13
